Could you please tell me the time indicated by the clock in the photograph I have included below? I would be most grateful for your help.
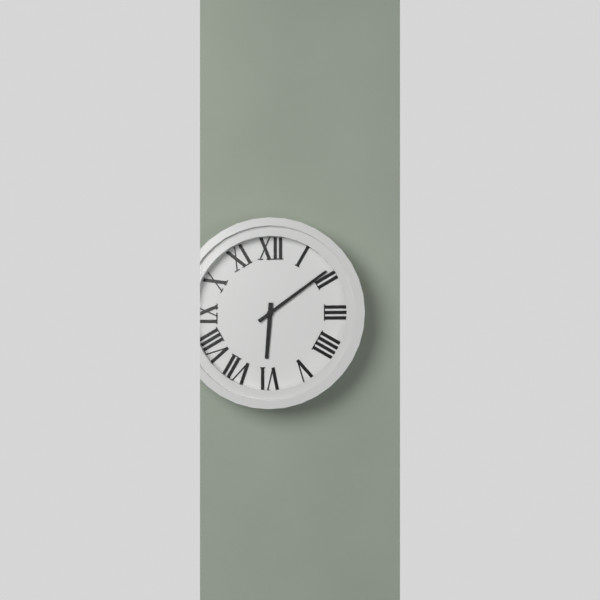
6:09
